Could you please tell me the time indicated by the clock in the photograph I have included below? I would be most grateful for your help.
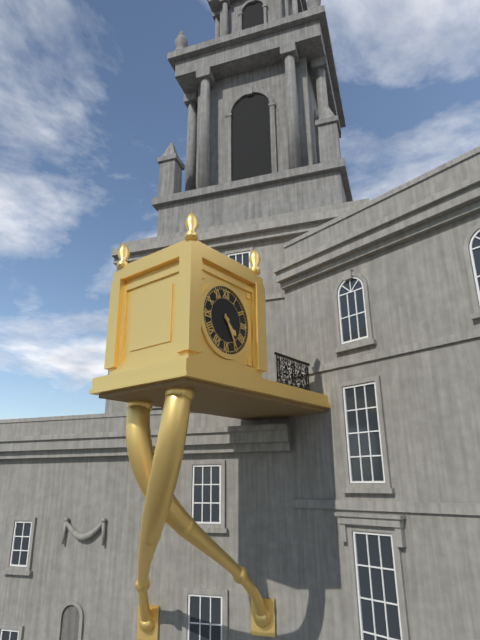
4:25
